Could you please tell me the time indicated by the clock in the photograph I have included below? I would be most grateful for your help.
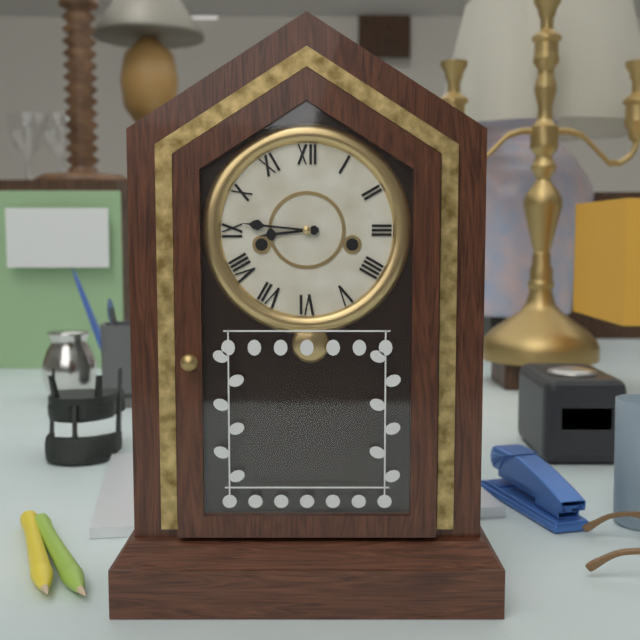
8:46
